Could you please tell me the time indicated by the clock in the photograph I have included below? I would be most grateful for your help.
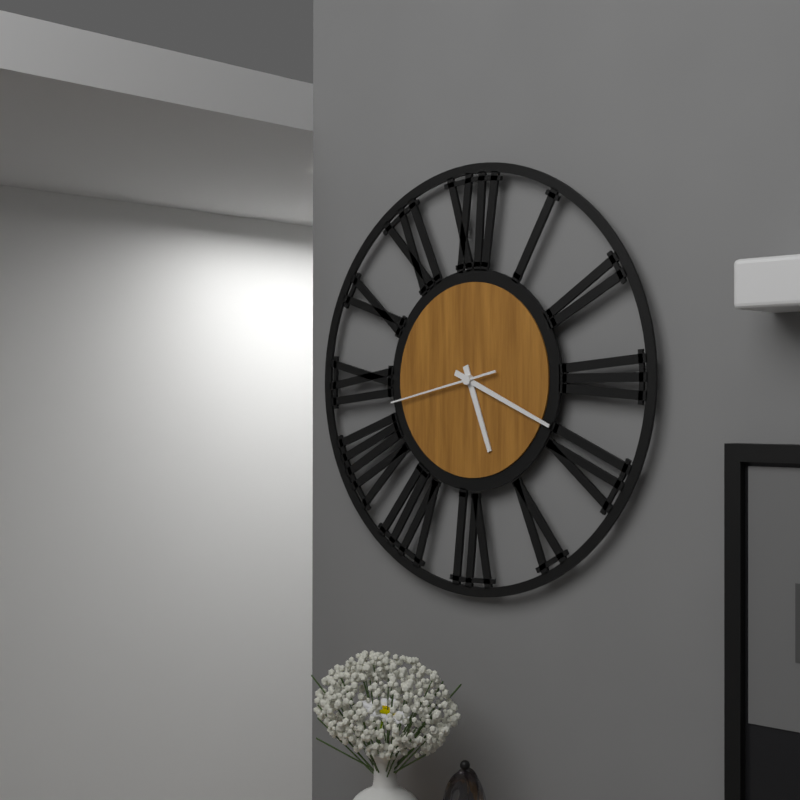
5:19:43
